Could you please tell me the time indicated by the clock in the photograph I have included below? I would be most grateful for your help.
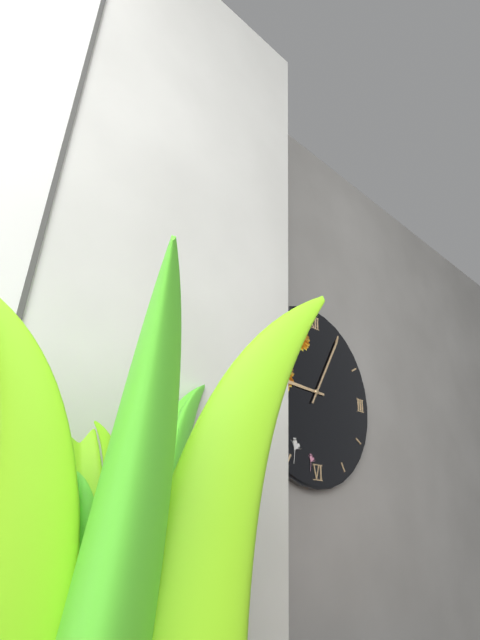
9:05
